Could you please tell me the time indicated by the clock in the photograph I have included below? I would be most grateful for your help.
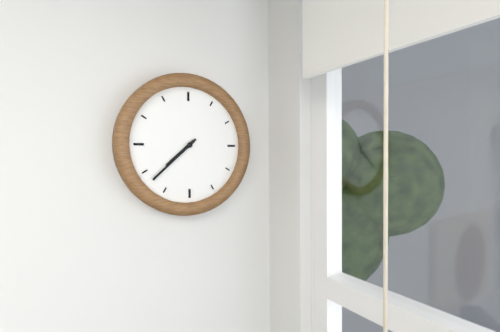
7:38
